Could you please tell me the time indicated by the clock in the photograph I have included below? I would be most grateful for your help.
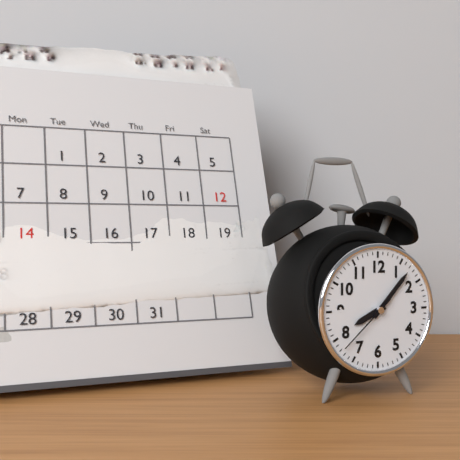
8:07:38
